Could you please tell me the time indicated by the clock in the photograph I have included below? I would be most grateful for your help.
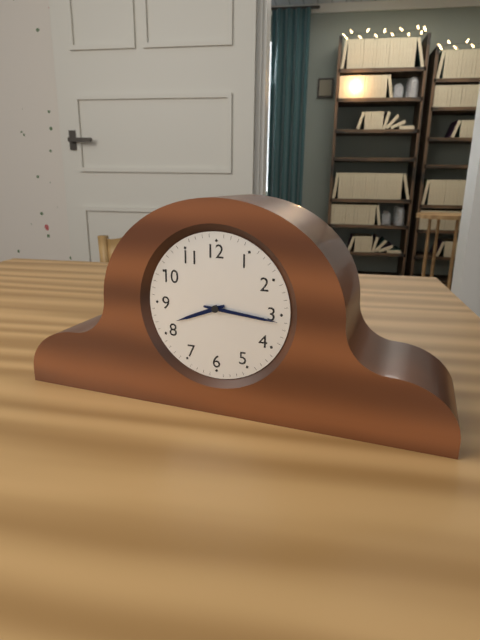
8:16
